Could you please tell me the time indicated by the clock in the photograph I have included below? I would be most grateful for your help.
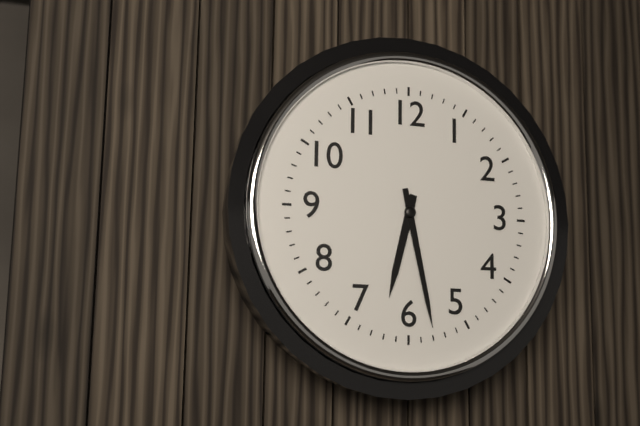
6:28
